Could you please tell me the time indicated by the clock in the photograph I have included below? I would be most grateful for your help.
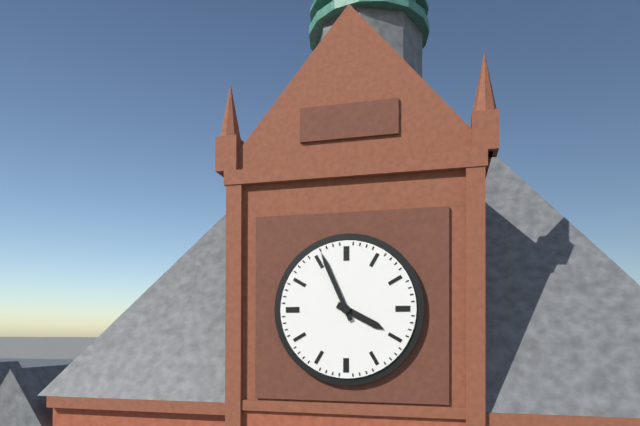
3:56
